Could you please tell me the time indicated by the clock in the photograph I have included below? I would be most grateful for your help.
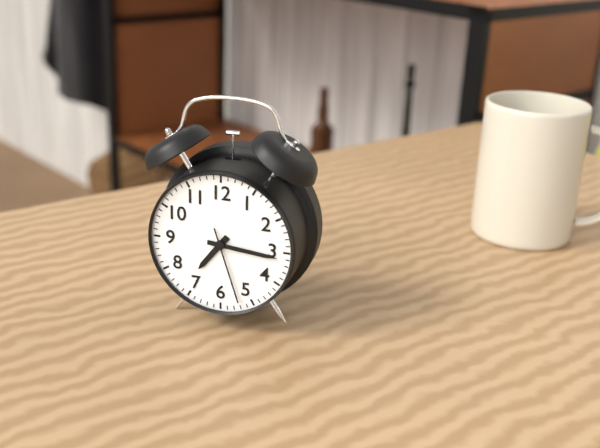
7:16:27
